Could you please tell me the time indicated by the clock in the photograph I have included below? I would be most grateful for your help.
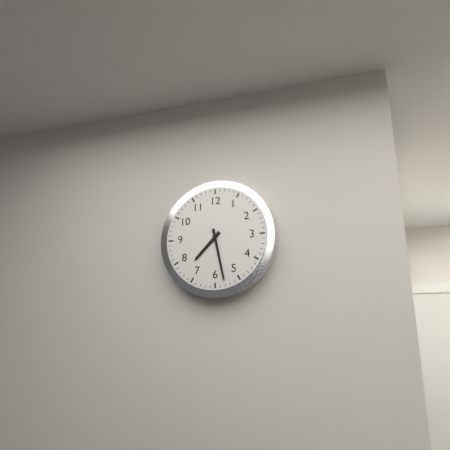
7:28
